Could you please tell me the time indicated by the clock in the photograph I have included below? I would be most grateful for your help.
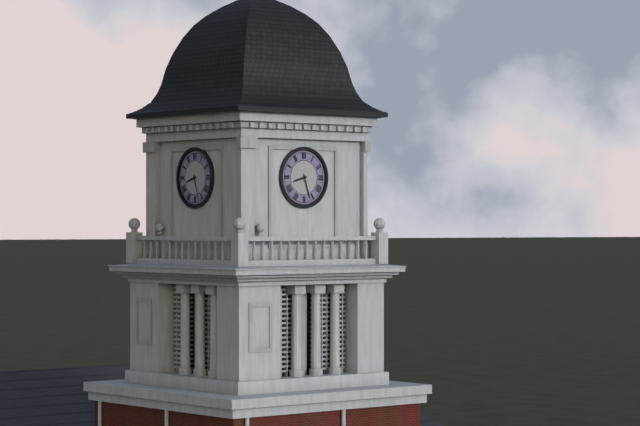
8:27
